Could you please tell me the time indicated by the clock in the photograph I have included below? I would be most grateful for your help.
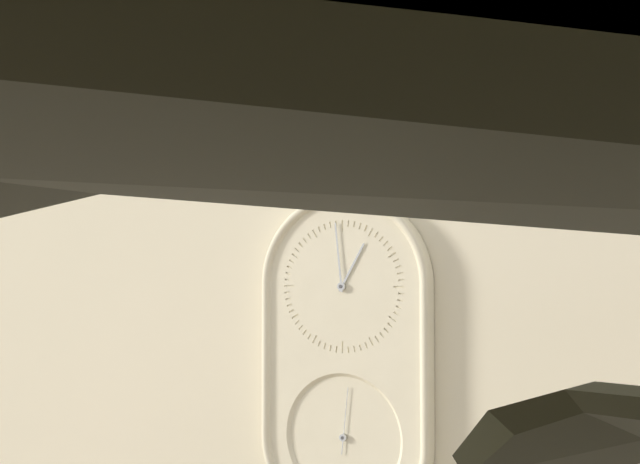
12:59:01
